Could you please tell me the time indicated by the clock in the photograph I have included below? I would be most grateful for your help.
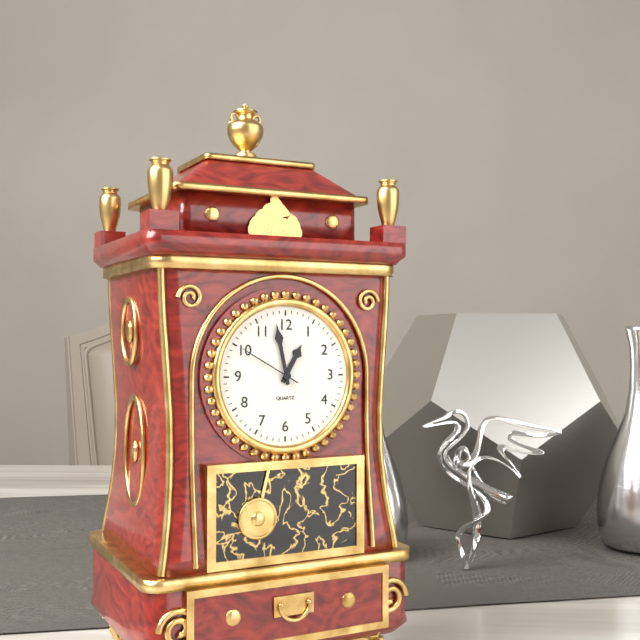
12:58:50
